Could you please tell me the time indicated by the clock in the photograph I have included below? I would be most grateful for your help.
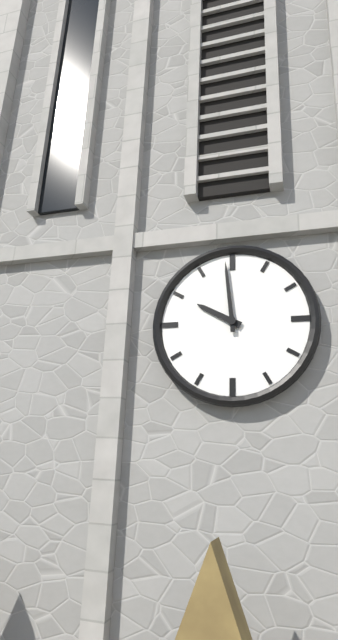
9:59
